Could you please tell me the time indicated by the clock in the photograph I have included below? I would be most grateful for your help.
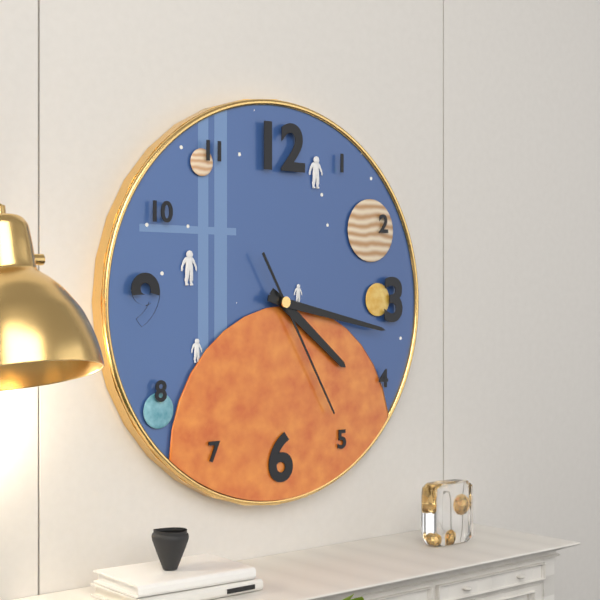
4:17:25
